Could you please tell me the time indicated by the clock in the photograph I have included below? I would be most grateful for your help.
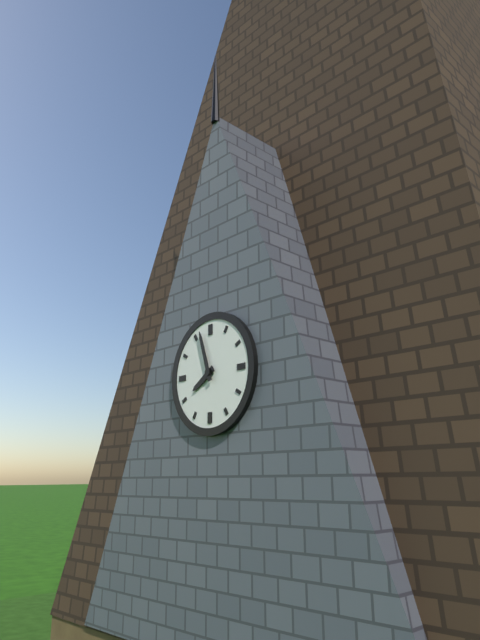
7:57
